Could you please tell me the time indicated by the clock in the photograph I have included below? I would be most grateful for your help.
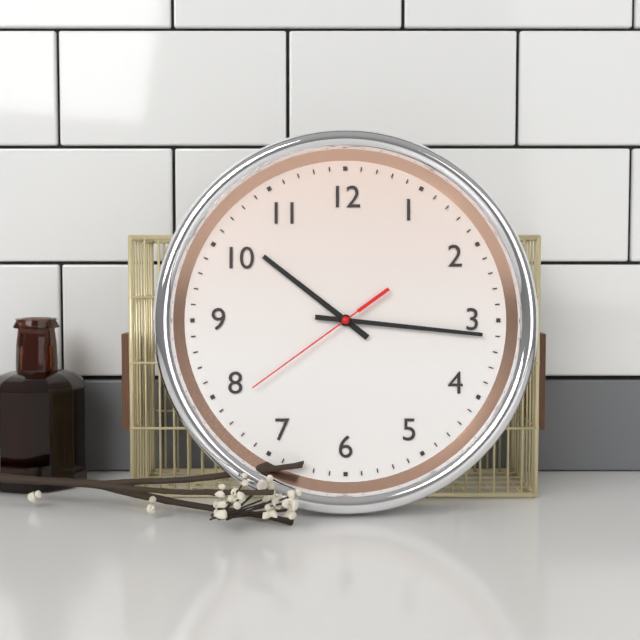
10:16:39
